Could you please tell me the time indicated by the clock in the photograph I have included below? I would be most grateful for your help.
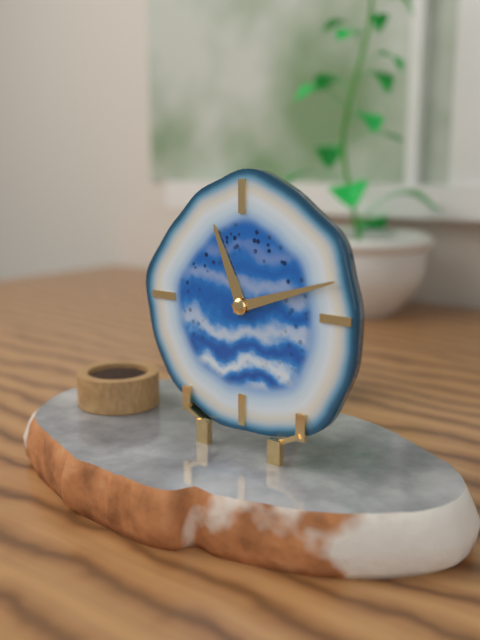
11:12
